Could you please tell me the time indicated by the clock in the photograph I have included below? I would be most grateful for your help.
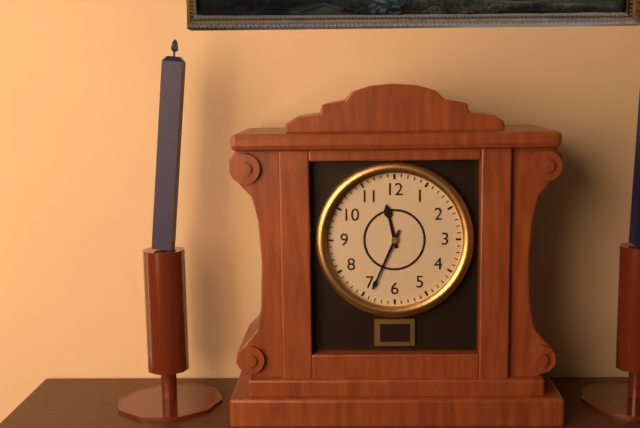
11:34
